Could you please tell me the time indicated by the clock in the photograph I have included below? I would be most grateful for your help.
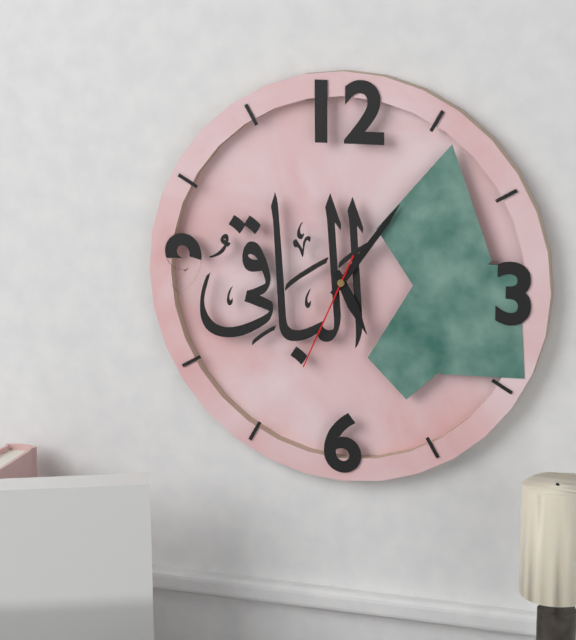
5:06:34
